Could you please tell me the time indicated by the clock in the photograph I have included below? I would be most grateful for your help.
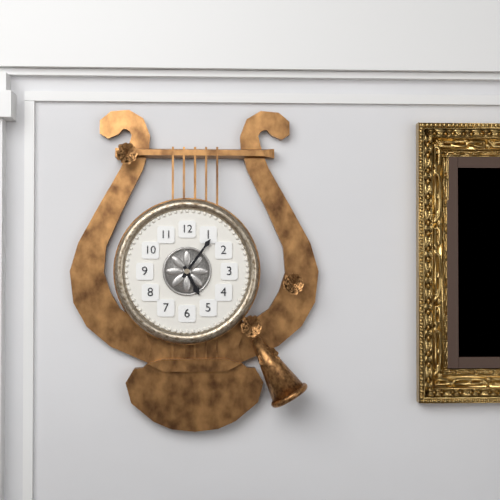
5:06
